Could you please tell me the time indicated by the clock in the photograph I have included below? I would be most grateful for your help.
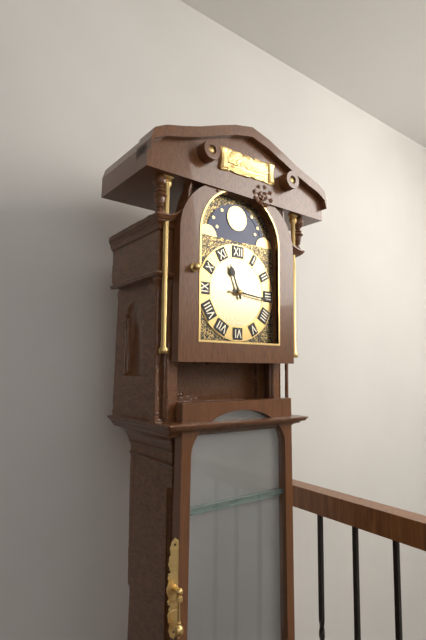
11:16
